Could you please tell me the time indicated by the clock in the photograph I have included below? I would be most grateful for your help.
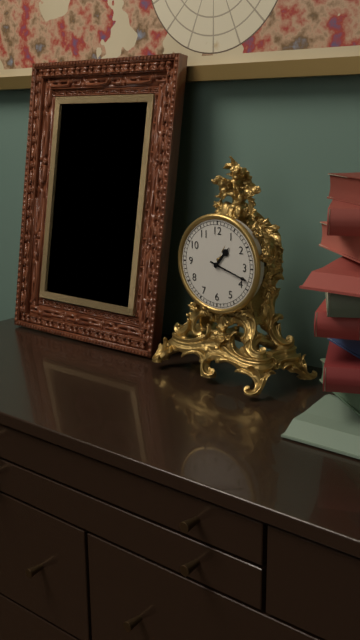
1:18
